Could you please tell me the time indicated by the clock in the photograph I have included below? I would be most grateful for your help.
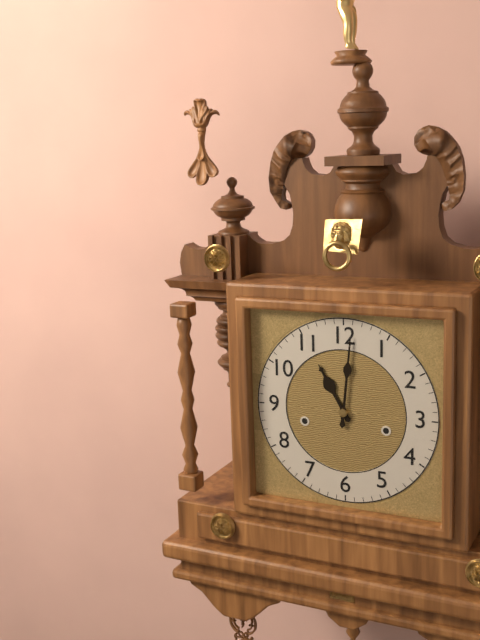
11:01
